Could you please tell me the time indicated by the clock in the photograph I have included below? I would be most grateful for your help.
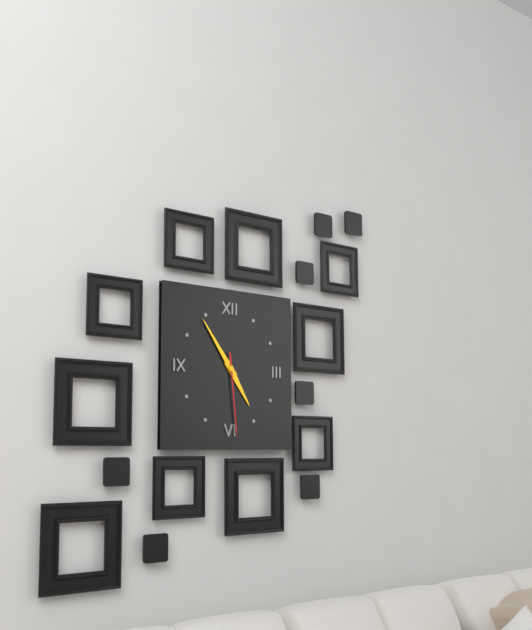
4:54:29
